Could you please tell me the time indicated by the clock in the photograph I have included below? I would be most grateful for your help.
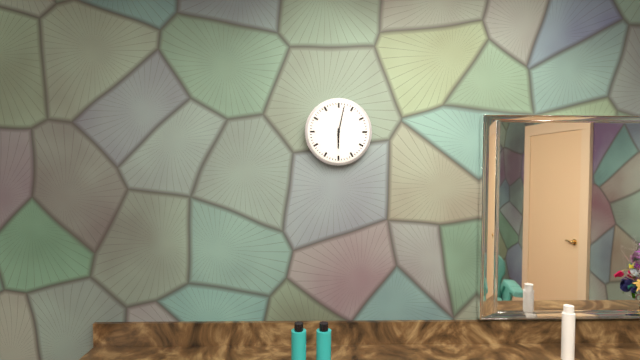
6:02
